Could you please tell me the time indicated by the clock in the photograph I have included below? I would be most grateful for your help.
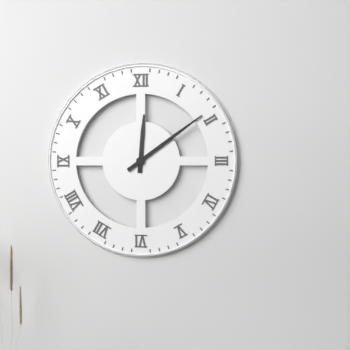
12:09
